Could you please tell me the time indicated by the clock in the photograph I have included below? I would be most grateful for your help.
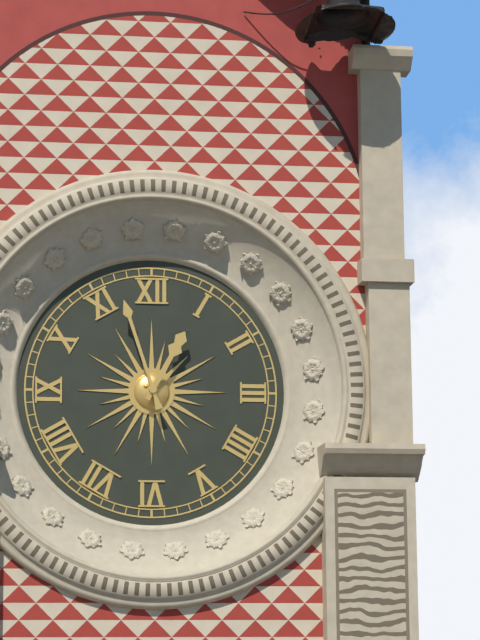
12:57
